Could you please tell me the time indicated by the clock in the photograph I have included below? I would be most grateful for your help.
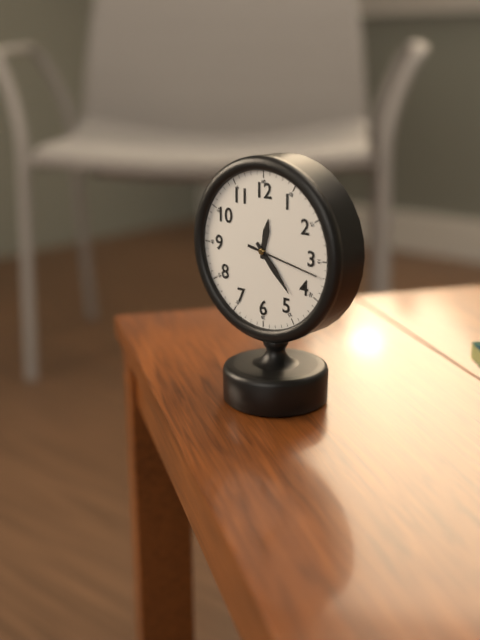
12:23:17
